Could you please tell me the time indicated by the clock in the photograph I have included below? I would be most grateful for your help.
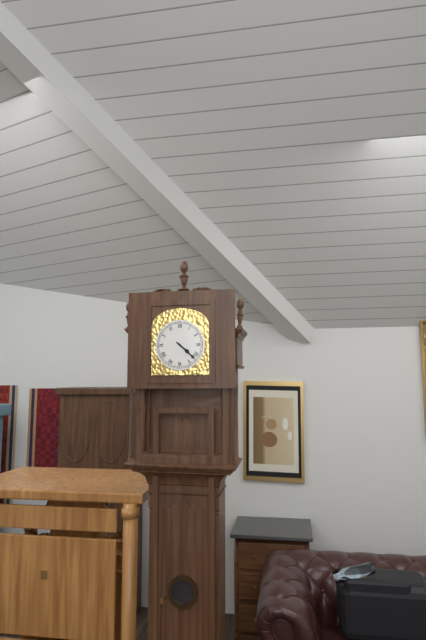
4:22
